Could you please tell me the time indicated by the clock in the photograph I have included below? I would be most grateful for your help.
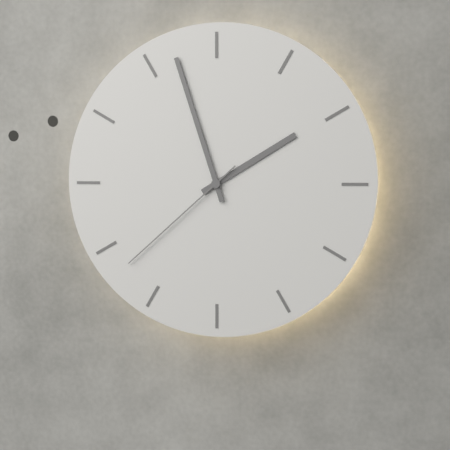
1:57:38
